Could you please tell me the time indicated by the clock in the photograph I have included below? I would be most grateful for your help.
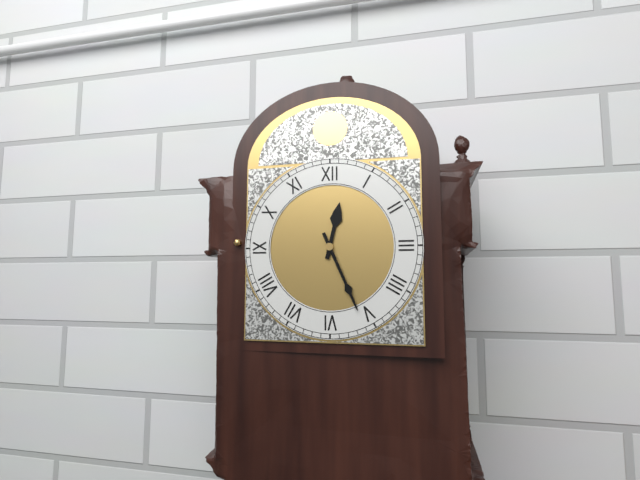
12:26
